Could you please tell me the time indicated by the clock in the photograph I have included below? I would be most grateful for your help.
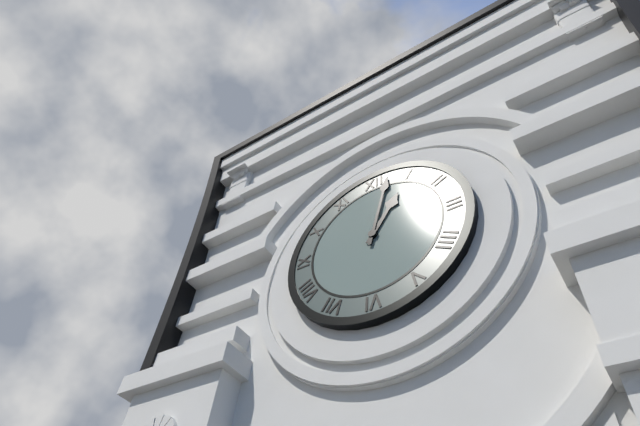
1:02
